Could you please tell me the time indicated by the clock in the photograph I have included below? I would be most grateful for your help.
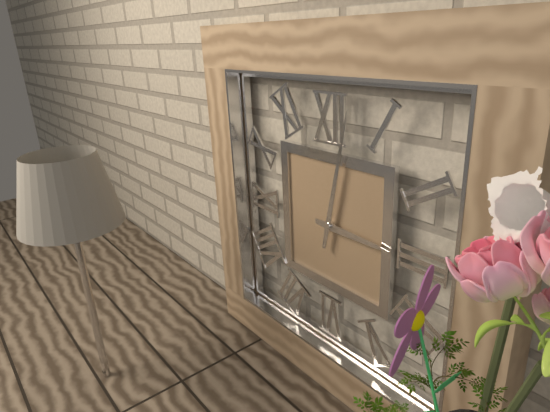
3:02
